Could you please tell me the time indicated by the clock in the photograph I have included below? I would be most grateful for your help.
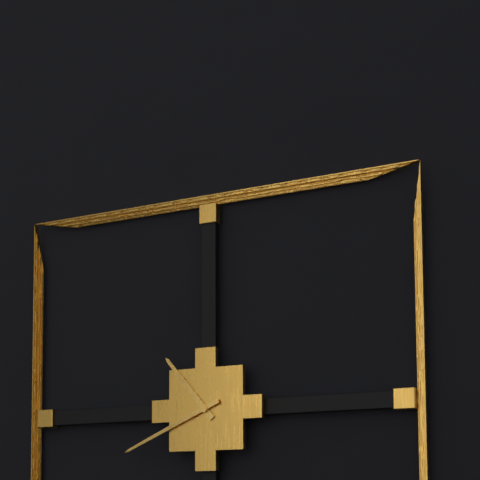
10:41
